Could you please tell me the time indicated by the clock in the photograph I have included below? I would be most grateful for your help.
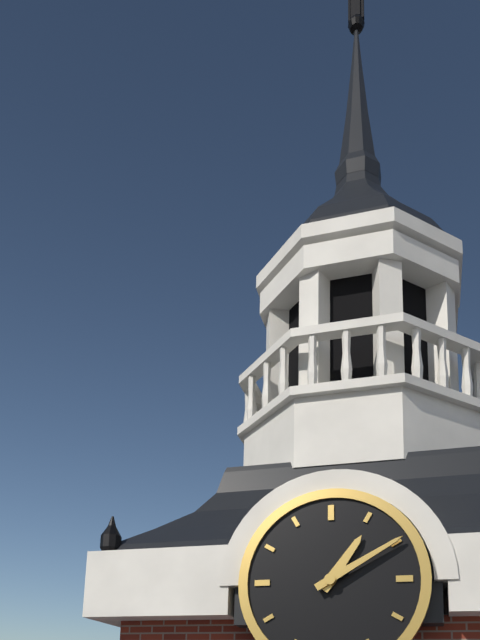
1:10
